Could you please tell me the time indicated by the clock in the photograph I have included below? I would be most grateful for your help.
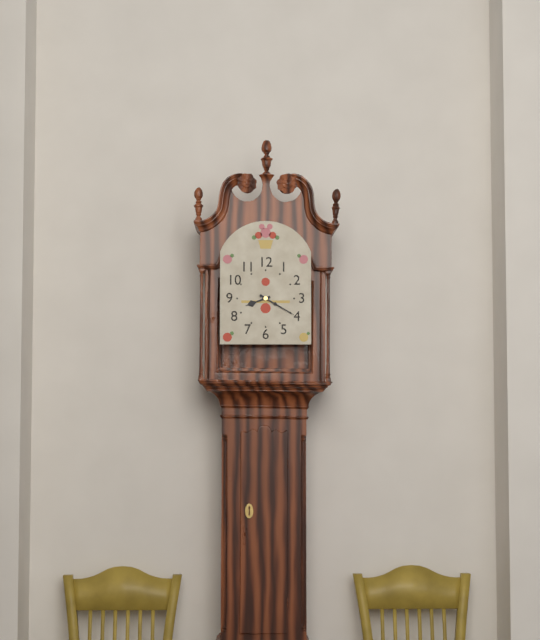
8:20
